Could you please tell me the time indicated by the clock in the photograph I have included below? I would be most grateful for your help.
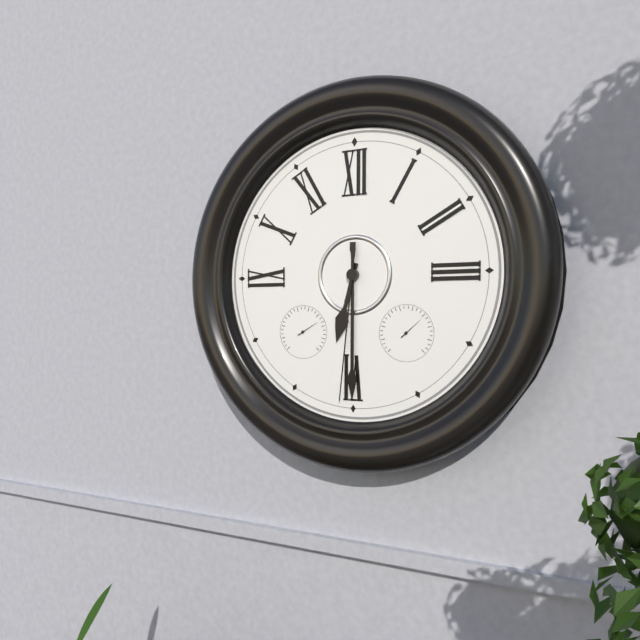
6:30:31
